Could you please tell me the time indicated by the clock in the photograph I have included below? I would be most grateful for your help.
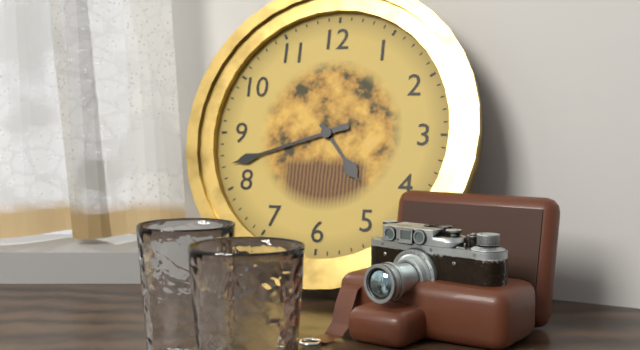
4:42
